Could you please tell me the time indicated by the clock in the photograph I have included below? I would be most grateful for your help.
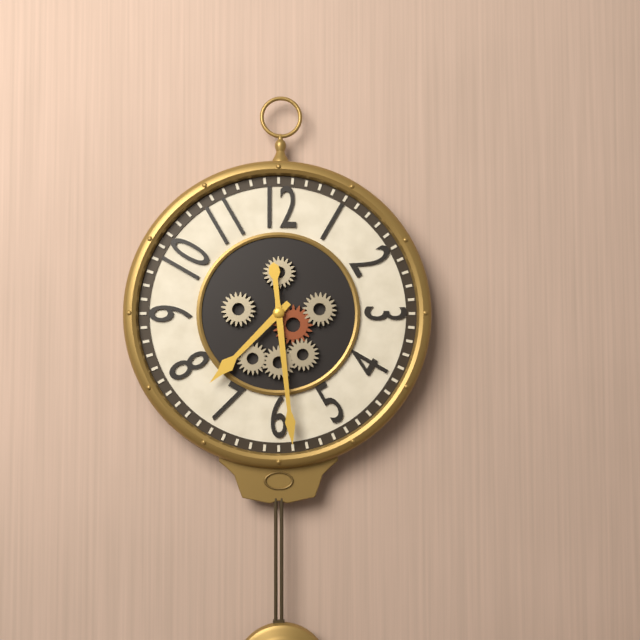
7:29
